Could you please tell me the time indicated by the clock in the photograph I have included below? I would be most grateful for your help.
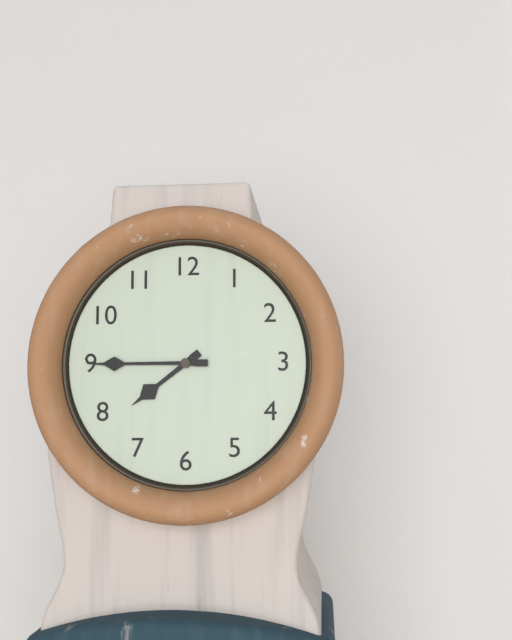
7:45
